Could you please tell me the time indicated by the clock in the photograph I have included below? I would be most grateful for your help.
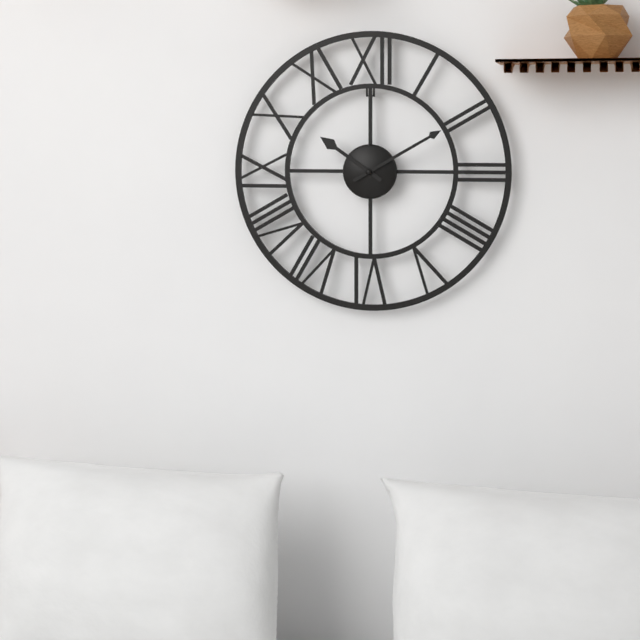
10:10
